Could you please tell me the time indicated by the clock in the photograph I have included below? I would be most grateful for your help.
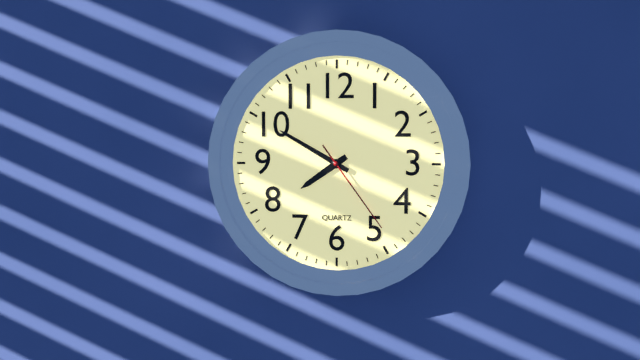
7:50:24
